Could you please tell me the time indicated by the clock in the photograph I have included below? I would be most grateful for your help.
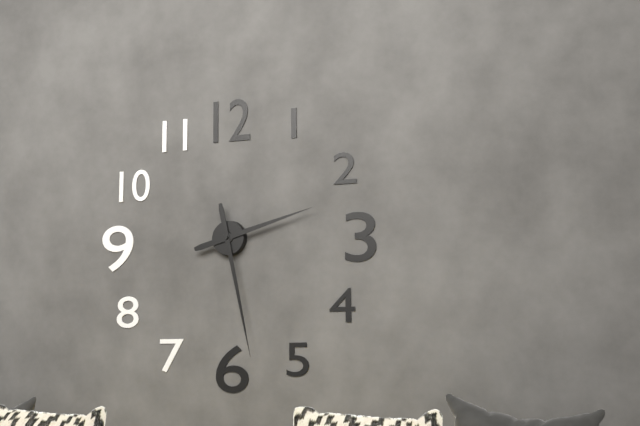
2:28
